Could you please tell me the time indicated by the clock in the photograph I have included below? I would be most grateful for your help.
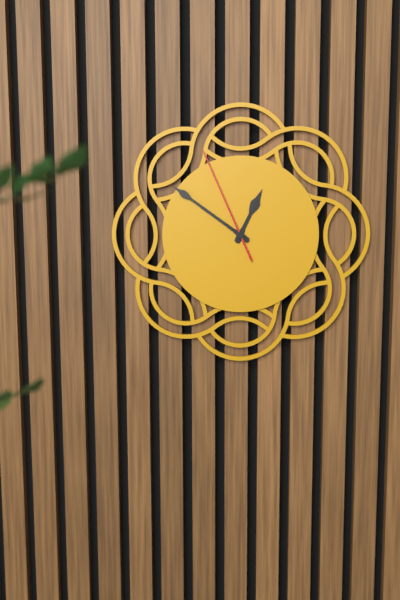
12:51:56
